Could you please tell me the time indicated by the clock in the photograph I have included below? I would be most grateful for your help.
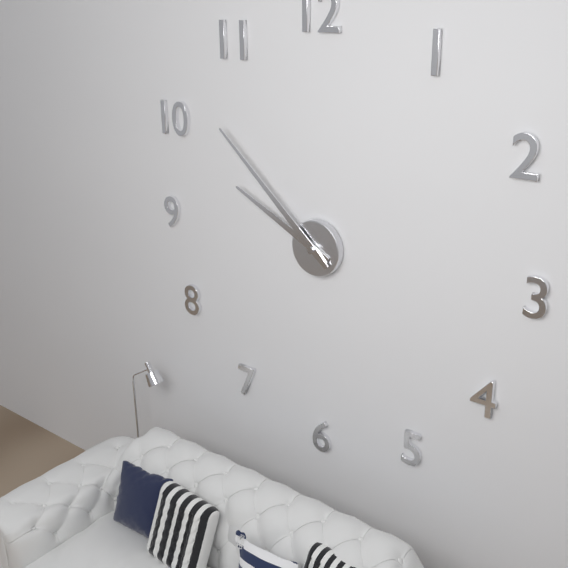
9:52
